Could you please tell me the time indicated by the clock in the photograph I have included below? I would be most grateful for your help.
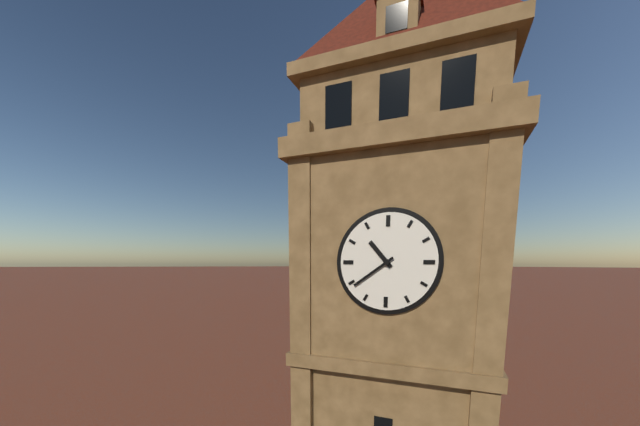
10:39
